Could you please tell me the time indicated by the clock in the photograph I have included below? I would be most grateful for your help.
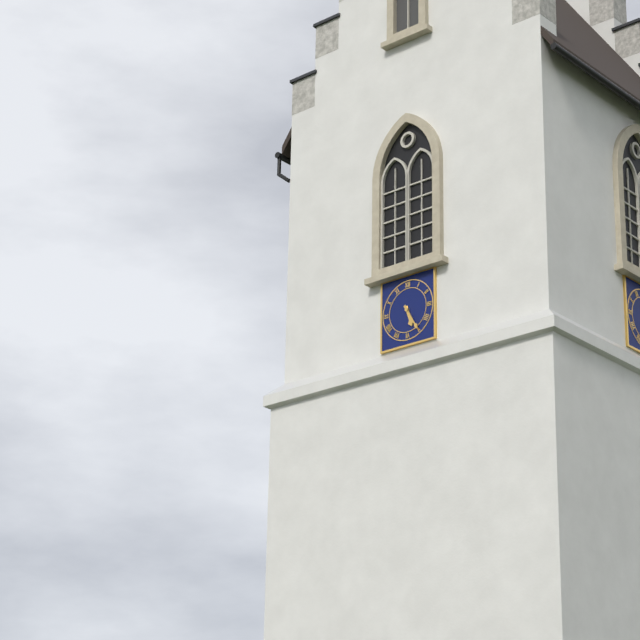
5:25
